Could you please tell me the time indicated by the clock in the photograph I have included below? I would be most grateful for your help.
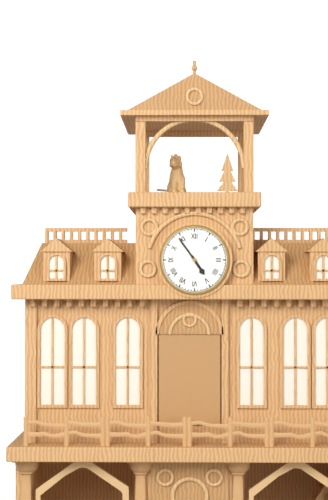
4:54
